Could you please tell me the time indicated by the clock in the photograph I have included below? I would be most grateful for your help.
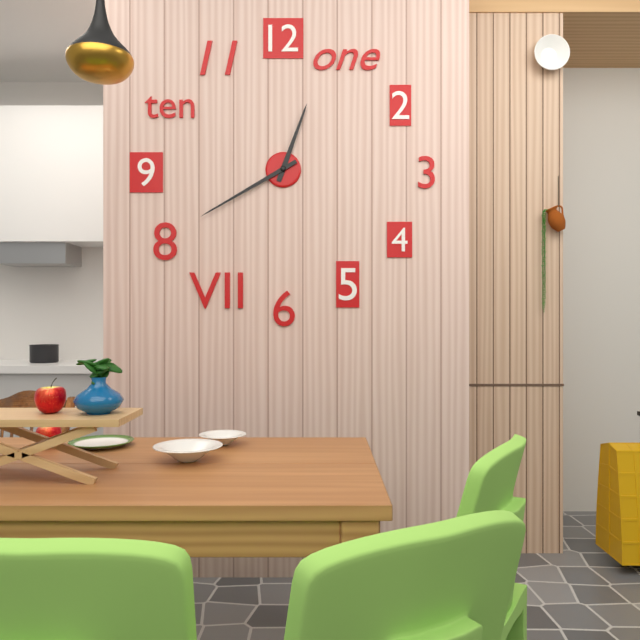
12:40
